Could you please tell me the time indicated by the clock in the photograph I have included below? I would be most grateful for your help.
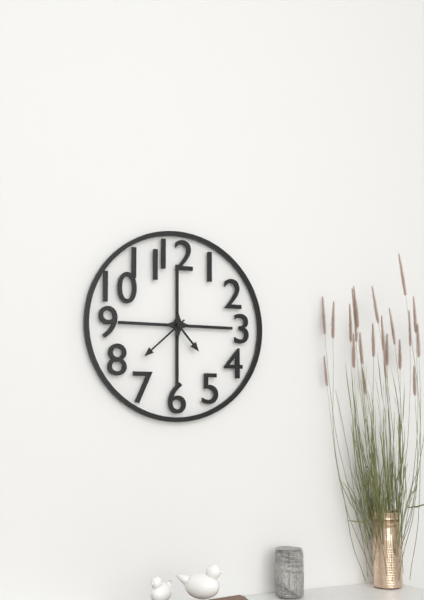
4:38
